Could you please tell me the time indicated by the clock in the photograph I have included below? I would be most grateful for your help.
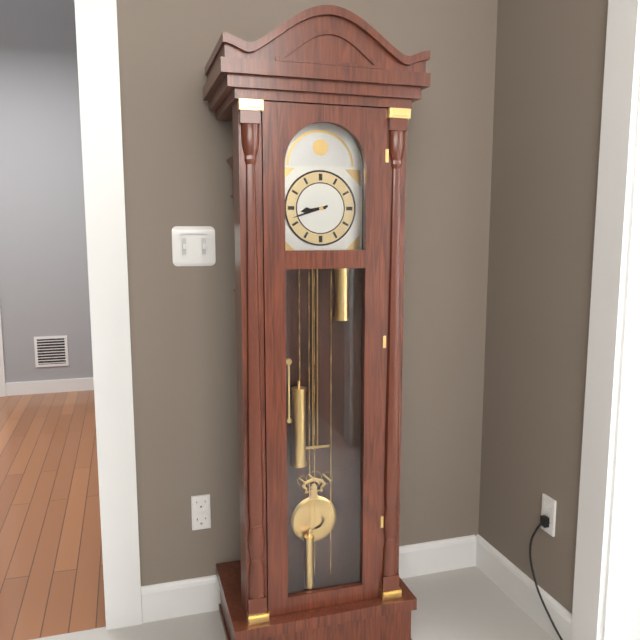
8:42
